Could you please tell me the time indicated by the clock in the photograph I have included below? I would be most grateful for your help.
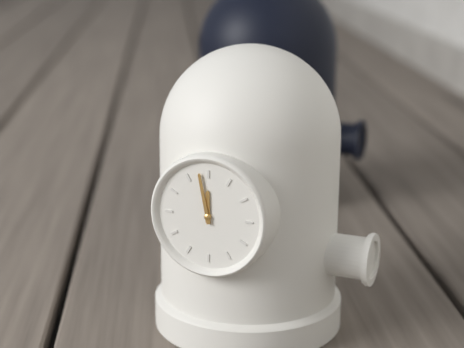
11:58
